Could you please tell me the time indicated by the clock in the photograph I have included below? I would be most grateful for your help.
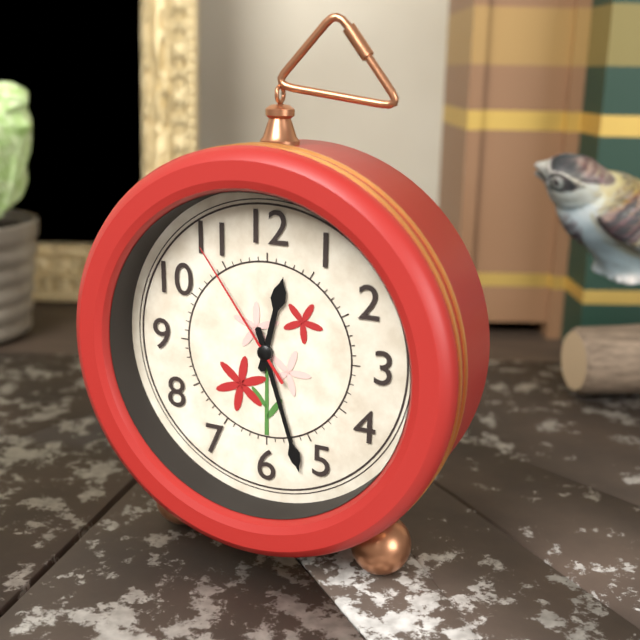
12:27:54
